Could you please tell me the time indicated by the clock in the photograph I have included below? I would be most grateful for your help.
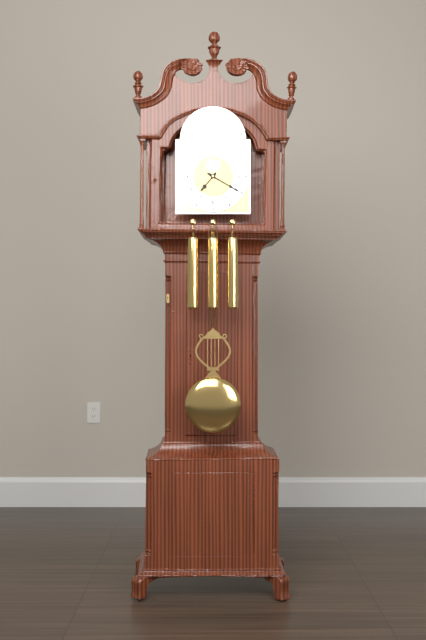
7:20
